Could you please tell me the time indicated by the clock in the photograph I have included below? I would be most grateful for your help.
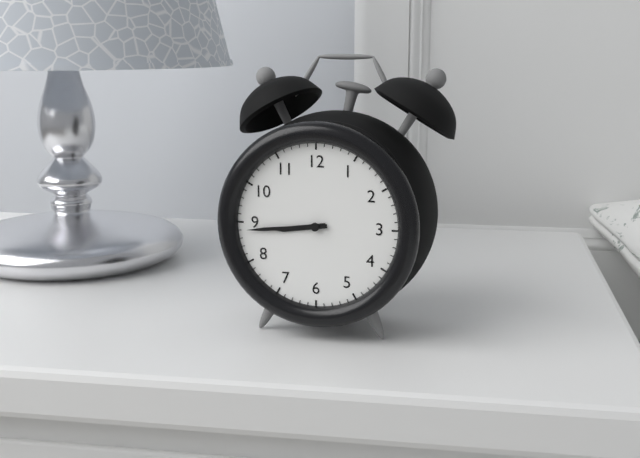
8:44
